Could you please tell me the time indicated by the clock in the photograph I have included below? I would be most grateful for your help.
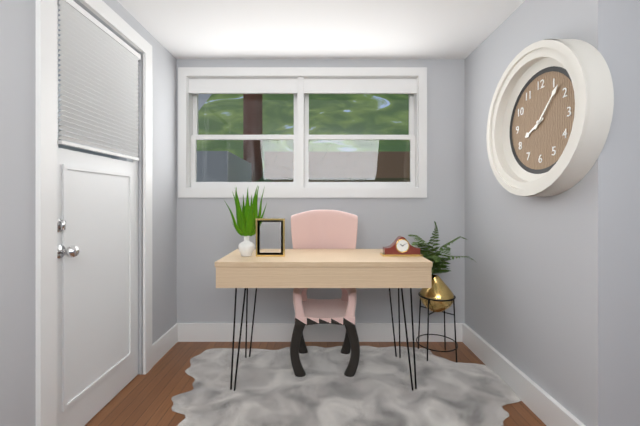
8:07
